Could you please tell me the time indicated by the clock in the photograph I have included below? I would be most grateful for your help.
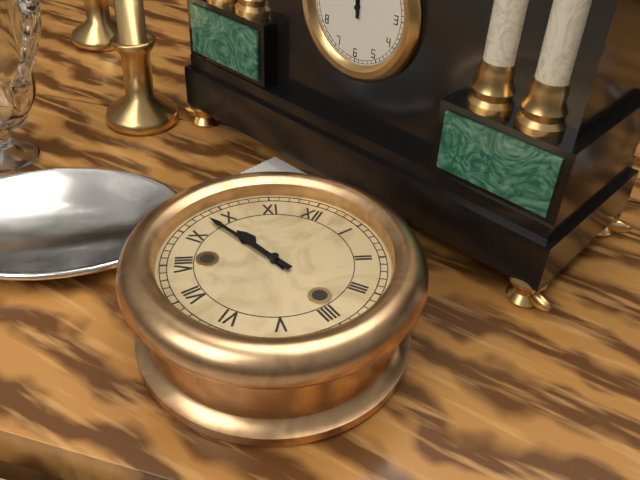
9:48
